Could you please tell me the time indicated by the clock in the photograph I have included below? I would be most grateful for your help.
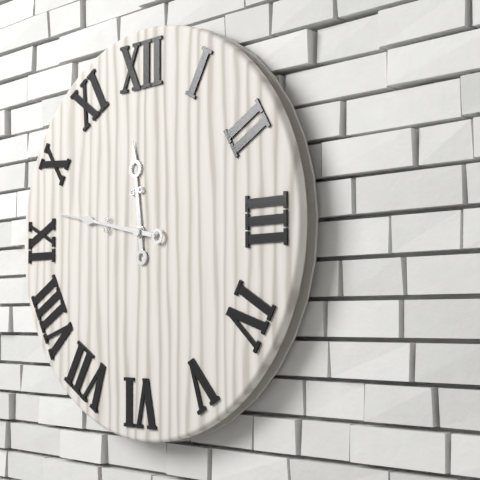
11:47
